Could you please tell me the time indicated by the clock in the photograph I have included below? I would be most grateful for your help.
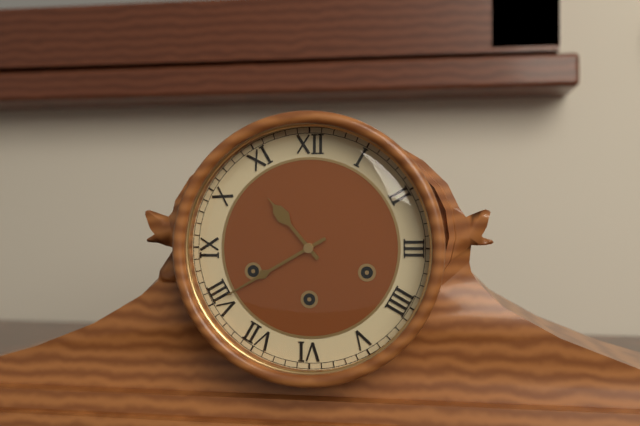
10:40
